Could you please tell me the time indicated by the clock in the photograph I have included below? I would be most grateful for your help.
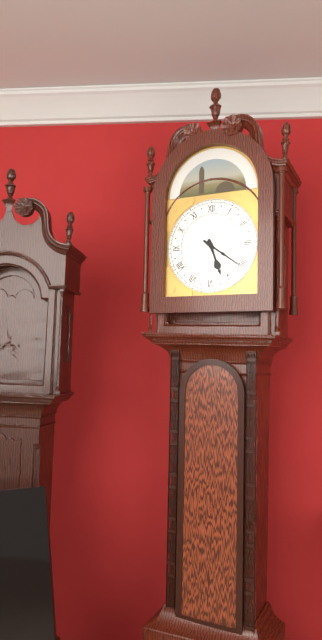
5:21
